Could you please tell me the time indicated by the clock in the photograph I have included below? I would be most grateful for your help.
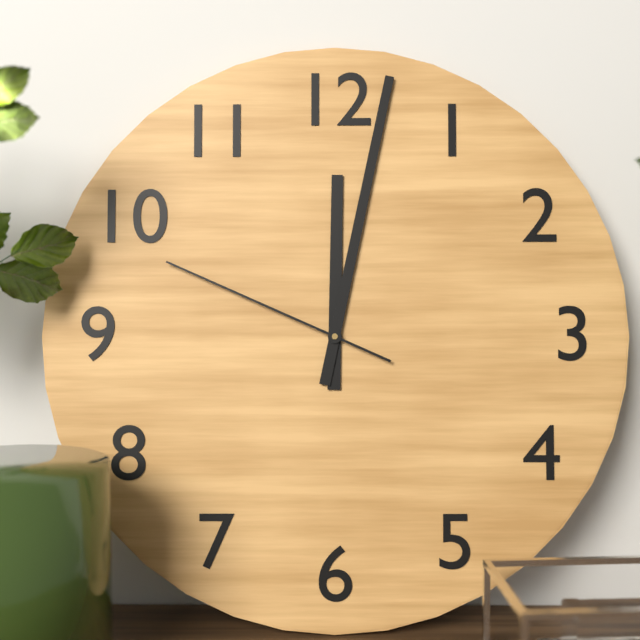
12:02:49
